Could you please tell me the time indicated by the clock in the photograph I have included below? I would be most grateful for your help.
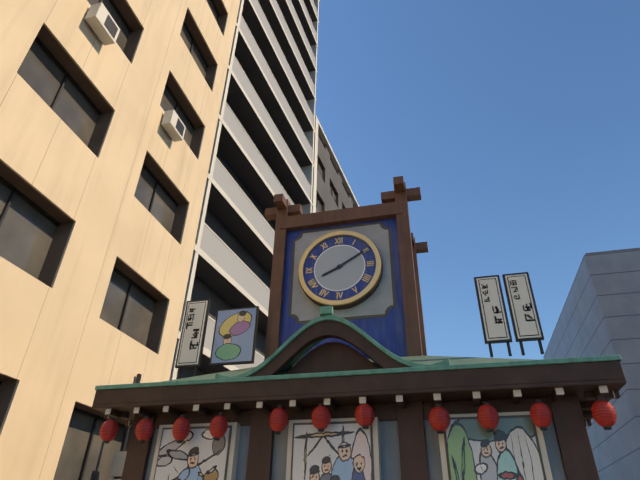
8:10
